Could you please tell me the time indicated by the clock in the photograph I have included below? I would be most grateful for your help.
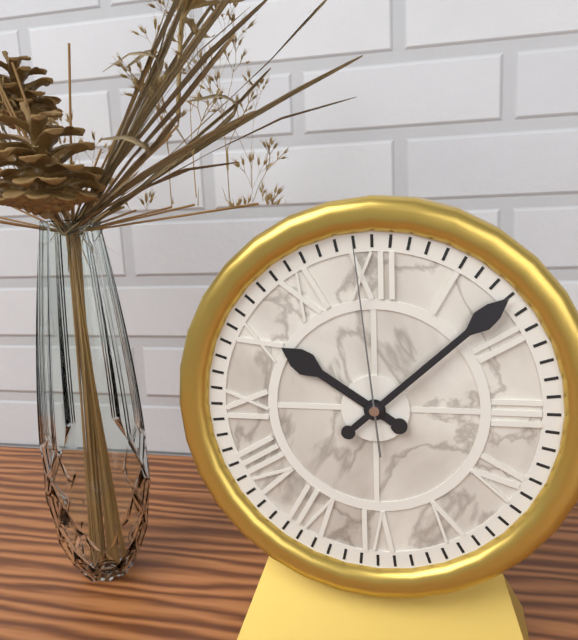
10:08:59
